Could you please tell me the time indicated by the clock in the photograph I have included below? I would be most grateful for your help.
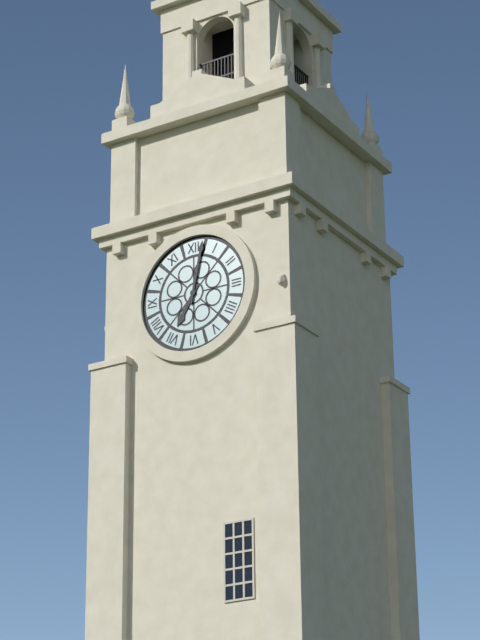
7:02
